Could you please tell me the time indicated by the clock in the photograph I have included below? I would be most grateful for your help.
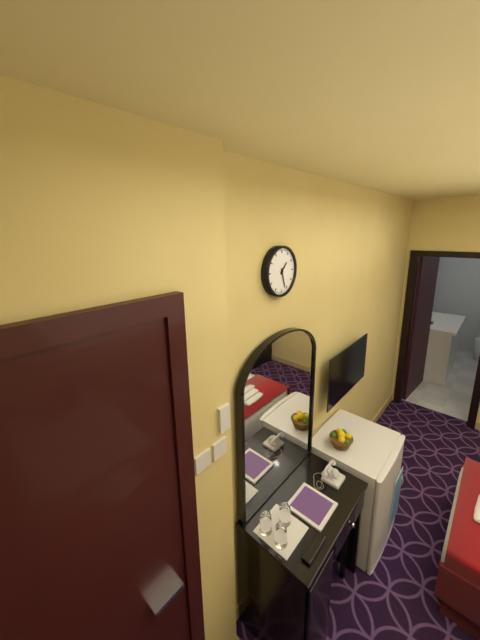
1:27
